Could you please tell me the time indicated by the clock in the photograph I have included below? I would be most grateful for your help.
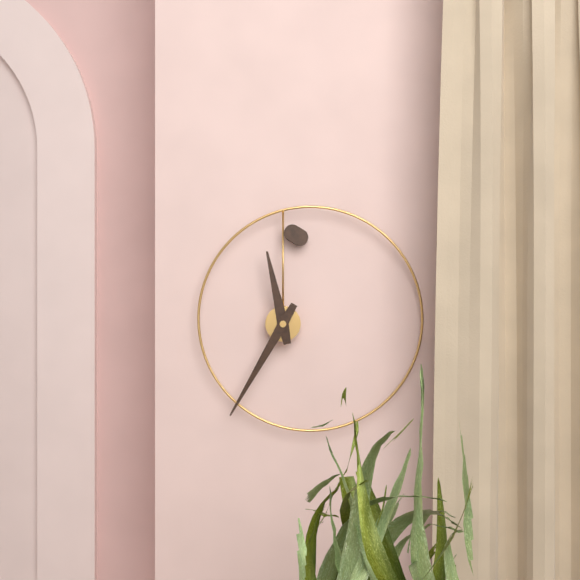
11:35
